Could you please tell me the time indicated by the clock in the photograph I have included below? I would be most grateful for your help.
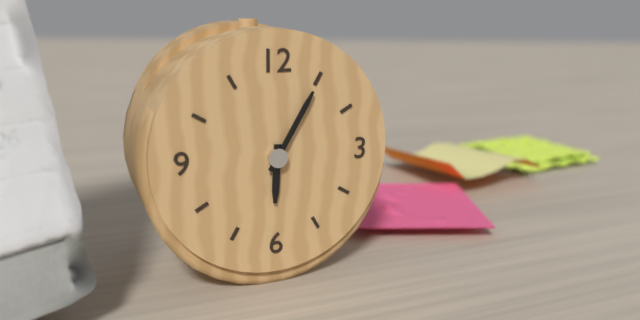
6:05
